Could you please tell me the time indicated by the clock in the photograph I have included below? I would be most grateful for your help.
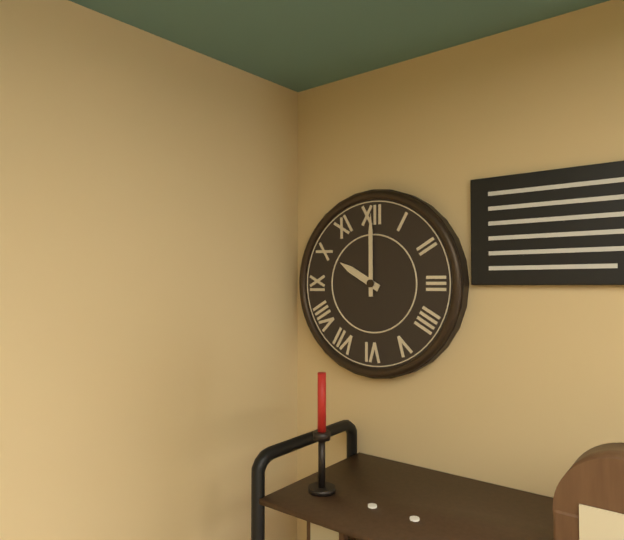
10:00
